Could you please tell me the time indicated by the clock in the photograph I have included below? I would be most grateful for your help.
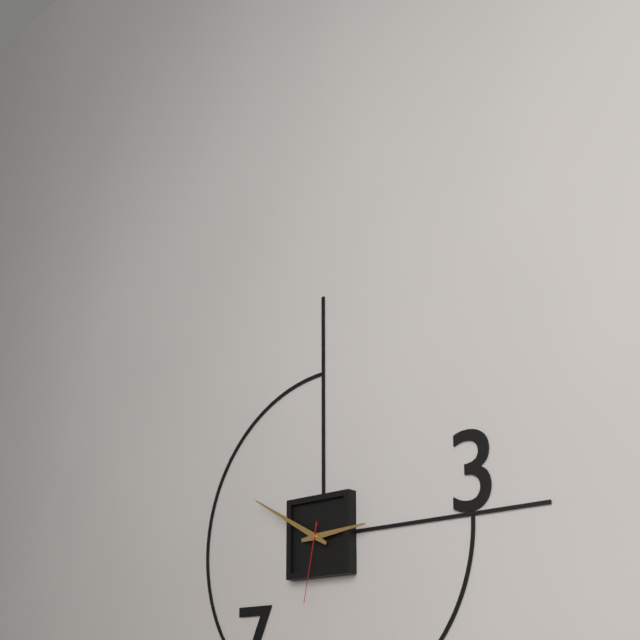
2:50:32
